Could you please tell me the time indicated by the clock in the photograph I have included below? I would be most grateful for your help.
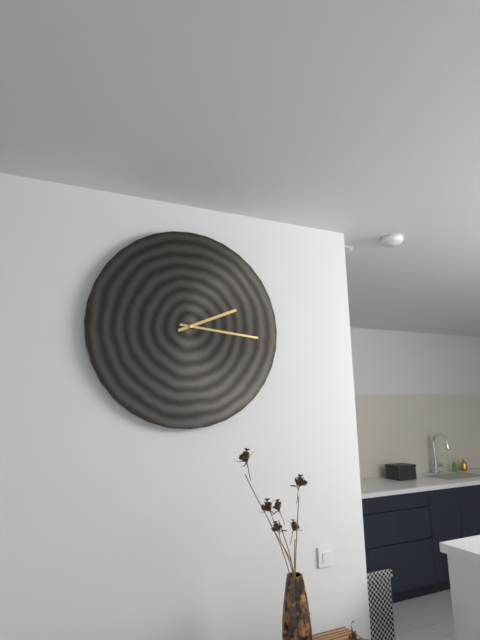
2:16
